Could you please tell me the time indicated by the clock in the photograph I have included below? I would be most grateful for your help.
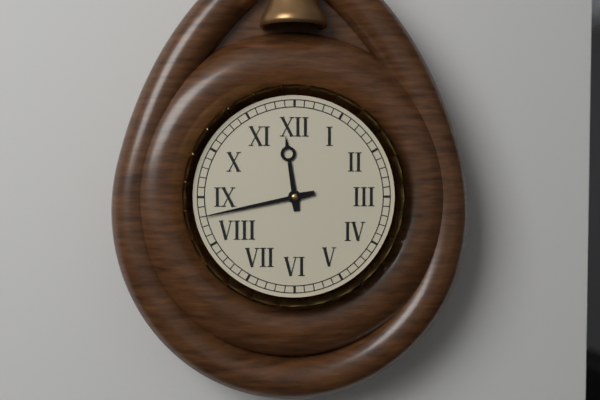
11:43
